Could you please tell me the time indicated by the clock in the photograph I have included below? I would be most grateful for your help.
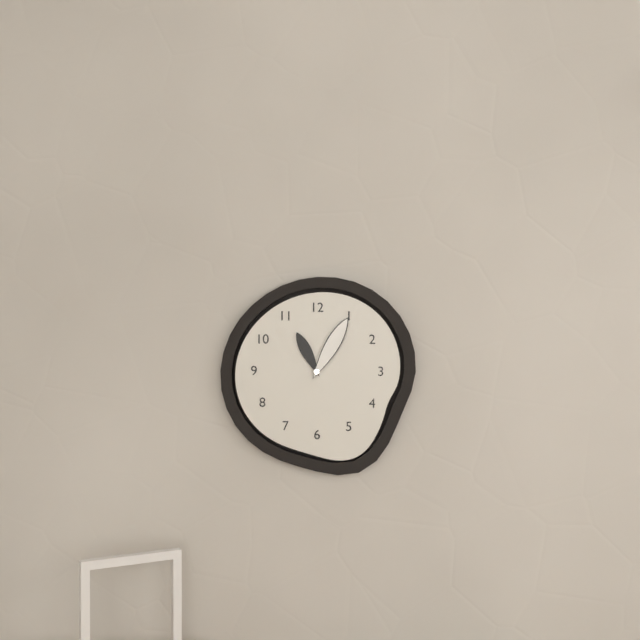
11:05
